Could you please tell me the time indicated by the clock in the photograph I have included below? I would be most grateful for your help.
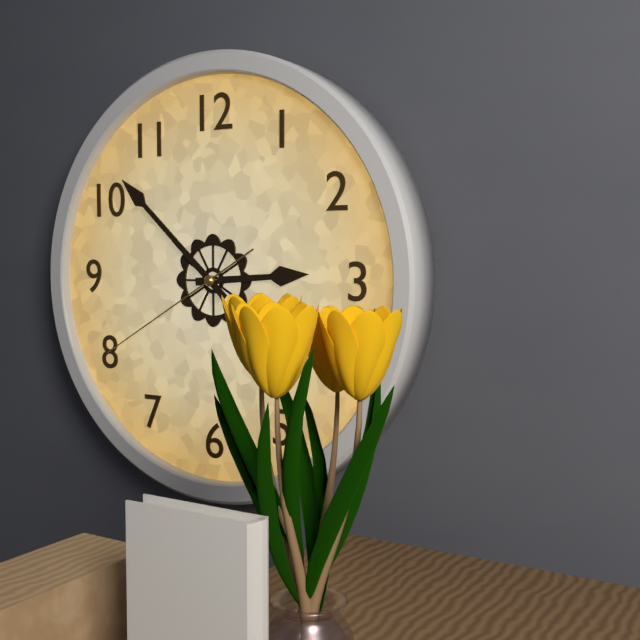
2:52:40
